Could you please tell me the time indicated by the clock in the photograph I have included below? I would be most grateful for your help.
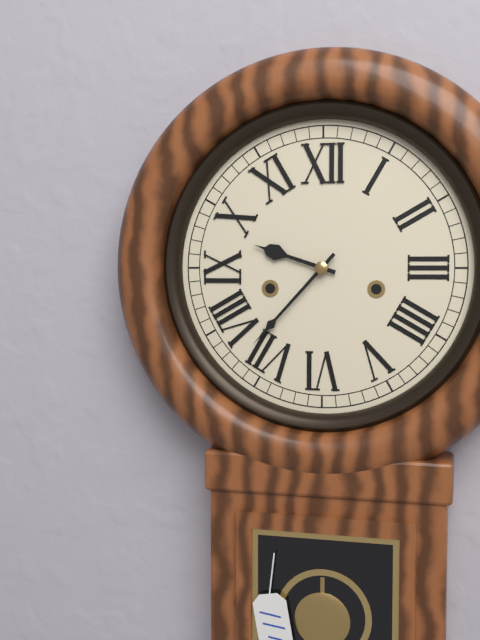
9:37
